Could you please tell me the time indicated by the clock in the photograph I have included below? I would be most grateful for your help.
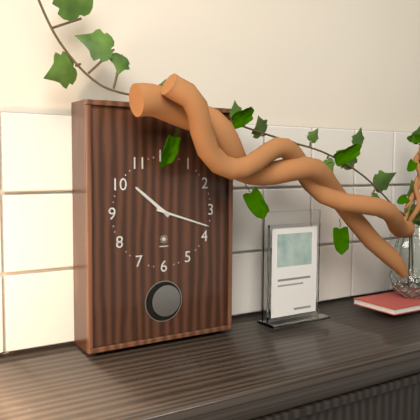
10:18
